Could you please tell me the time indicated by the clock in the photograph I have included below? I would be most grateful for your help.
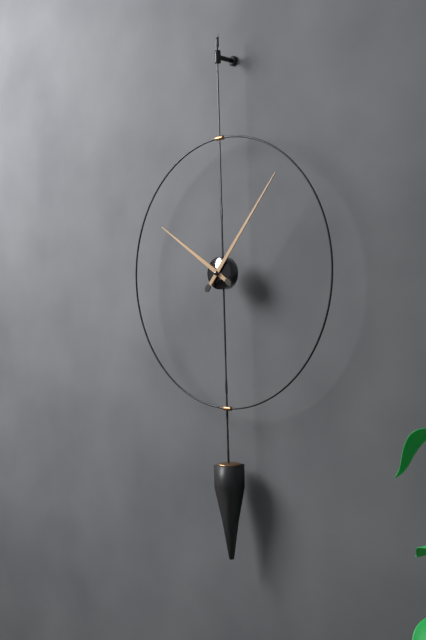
10:07
